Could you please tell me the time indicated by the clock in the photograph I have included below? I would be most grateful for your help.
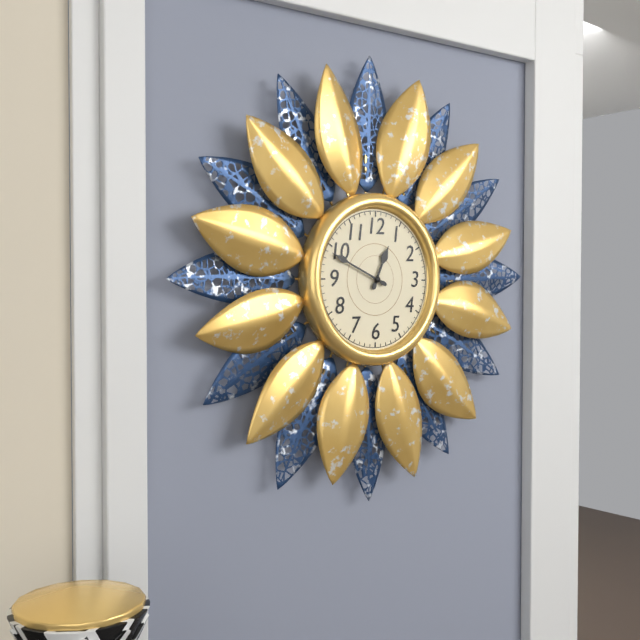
12:49
